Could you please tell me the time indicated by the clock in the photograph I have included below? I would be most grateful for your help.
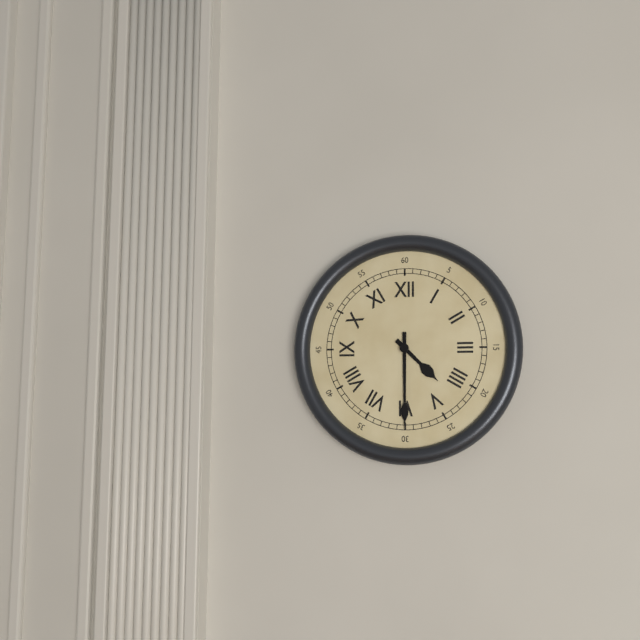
4:30
